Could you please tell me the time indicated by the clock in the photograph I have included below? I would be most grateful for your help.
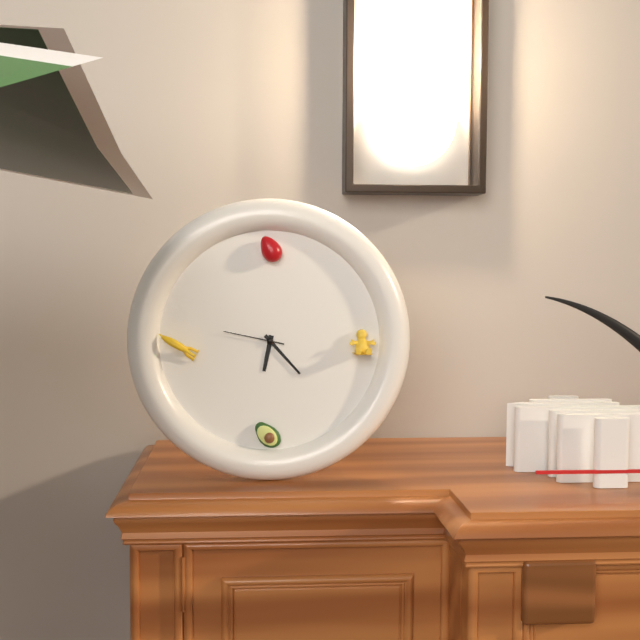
6:23:47
